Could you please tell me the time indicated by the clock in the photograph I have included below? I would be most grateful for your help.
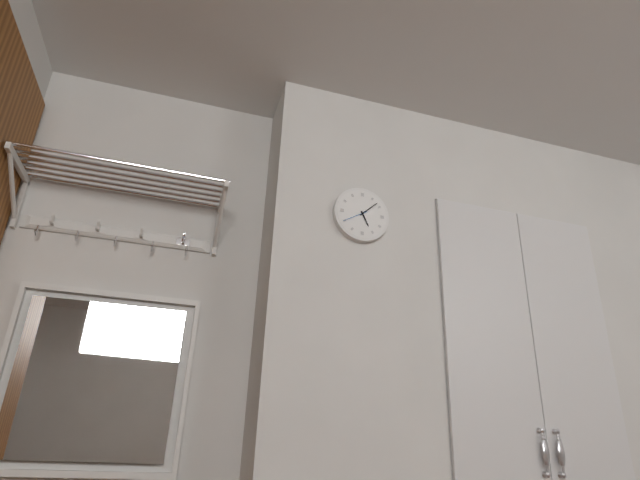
5:08
